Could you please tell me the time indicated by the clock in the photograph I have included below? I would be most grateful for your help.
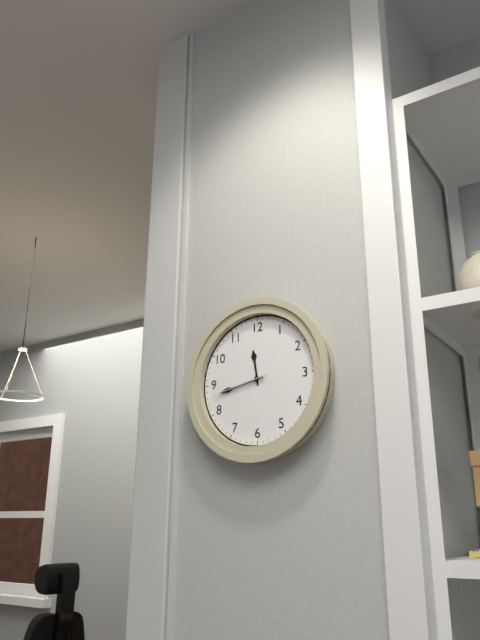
11:43:43
